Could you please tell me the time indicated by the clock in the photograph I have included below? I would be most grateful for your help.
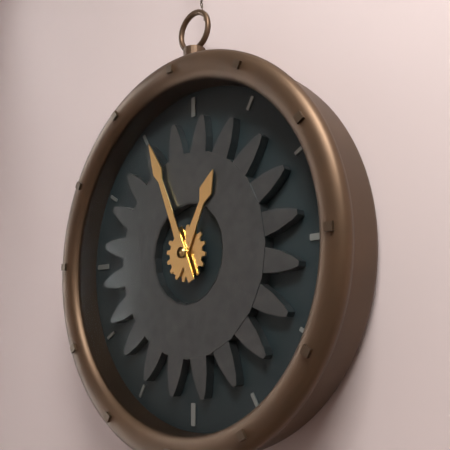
12:56
